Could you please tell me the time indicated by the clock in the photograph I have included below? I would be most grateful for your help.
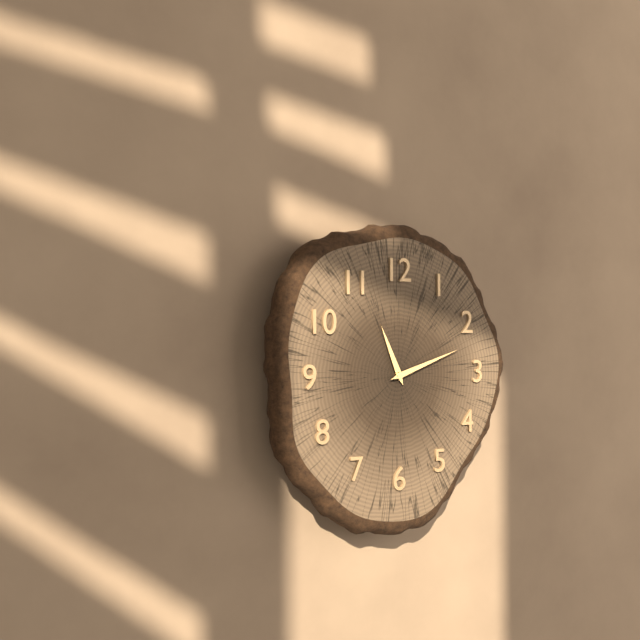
11:12
